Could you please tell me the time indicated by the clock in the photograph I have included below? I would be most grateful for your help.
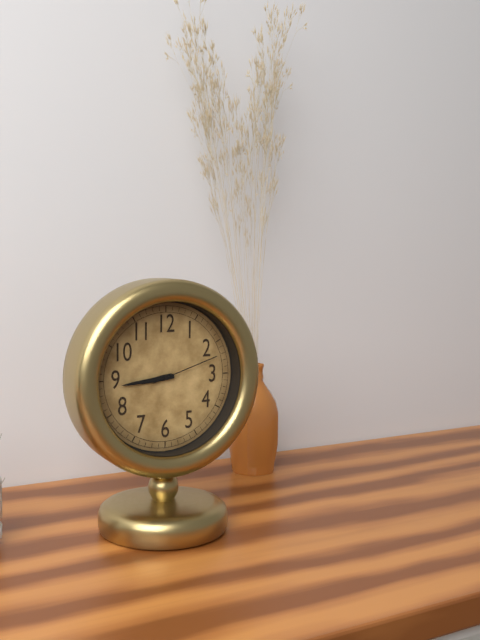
8:44:12
